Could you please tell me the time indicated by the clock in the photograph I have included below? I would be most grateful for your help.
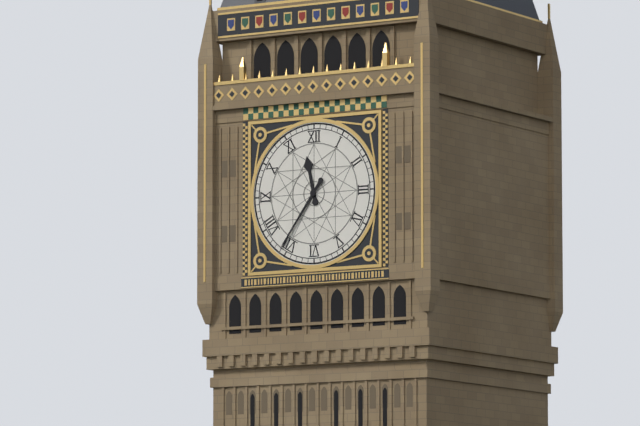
11:36
